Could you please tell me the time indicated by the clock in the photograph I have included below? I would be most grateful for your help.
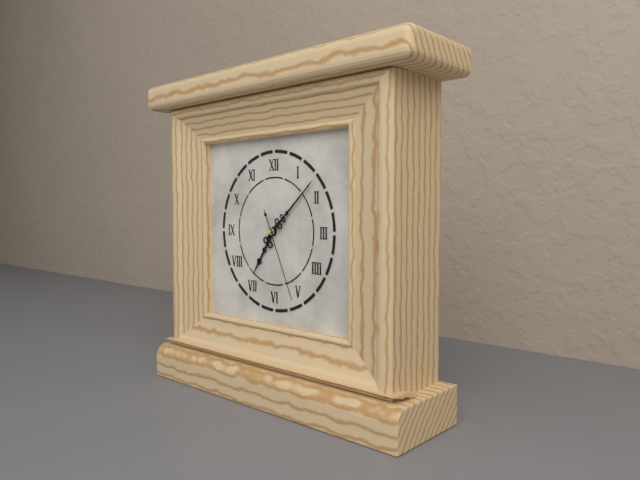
7:08:26
